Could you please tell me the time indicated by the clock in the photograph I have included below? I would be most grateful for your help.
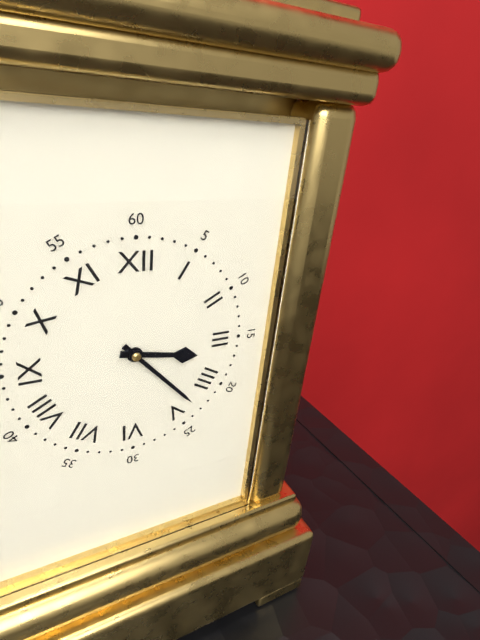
3:23
